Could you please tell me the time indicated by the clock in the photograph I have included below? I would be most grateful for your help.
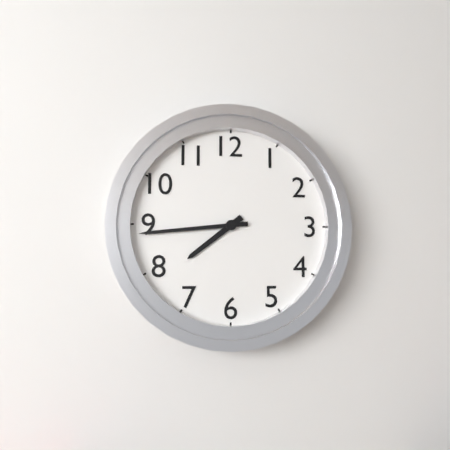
7:44
